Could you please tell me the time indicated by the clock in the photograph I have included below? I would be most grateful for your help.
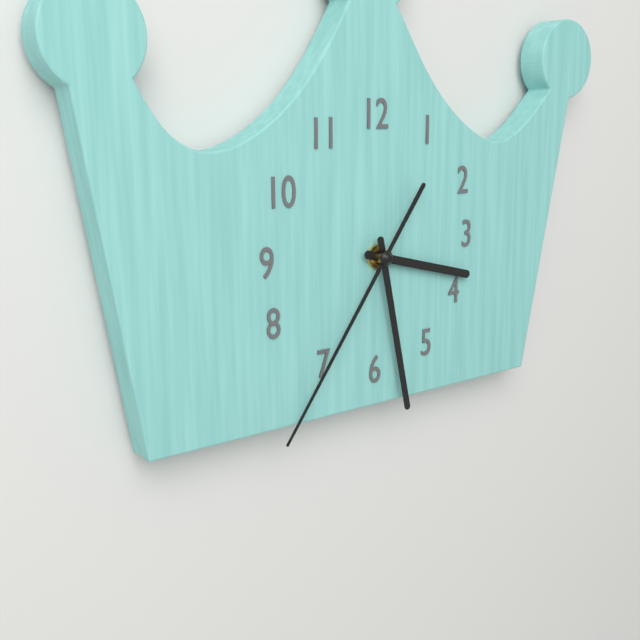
3:28:36
